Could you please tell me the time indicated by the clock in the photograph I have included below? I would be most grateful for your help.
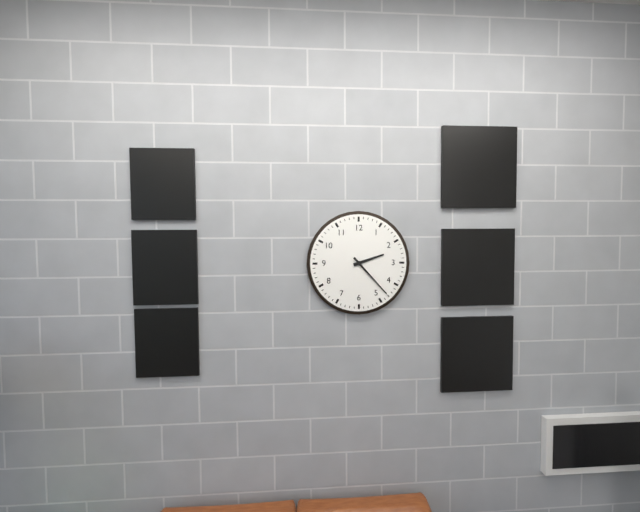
2:23
